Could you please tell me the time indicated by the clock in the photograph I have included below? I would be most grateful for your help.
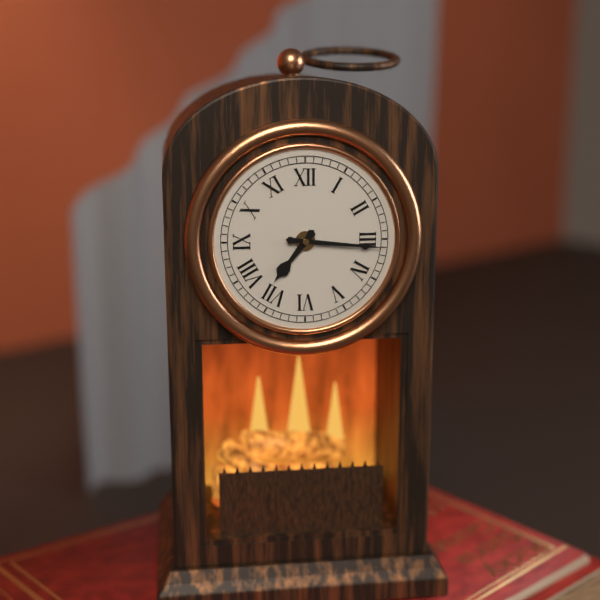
7:16
